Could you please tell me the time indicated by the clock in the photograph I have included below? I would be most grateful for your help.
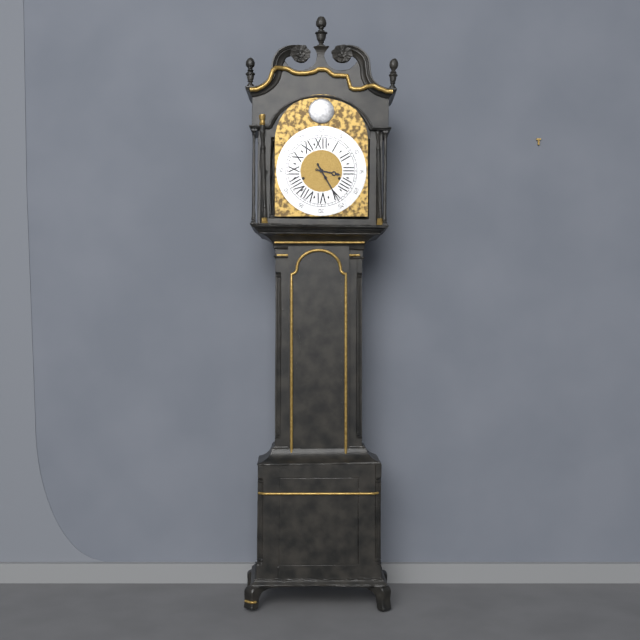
3:25
